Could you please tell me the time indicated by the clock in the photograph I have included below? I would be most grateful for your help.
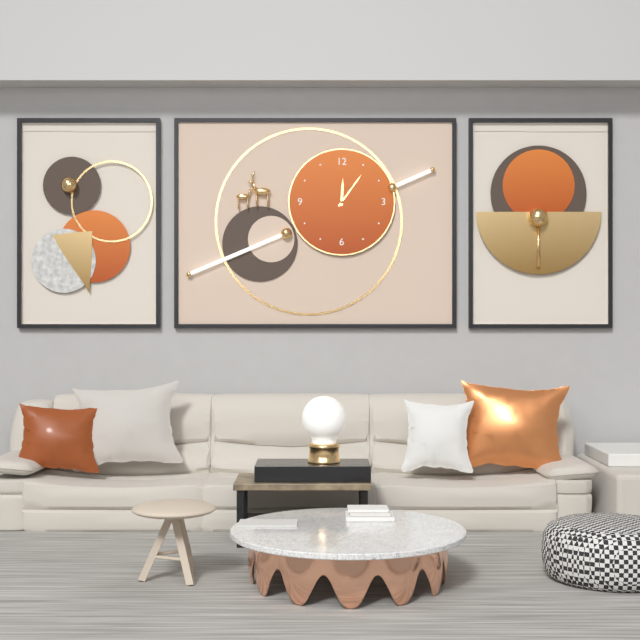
12:06
